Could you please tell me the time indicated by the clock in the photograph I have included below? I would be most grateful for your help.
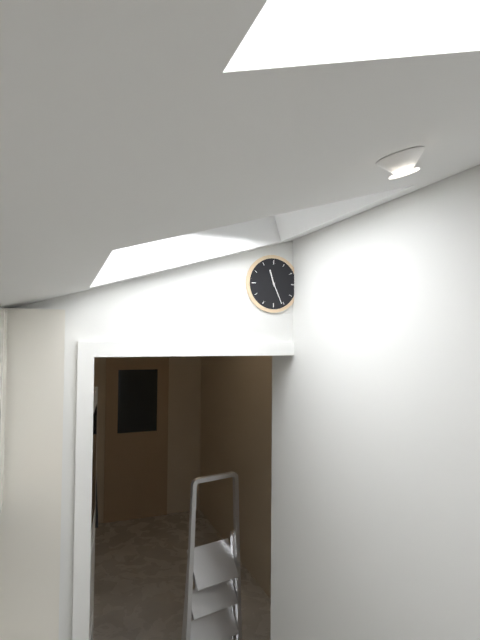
11:26
